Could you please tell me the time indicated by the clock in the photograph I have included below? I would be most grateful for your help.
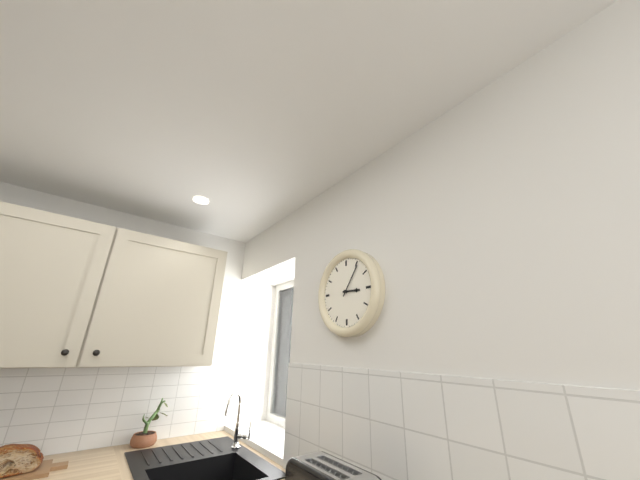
3:06
